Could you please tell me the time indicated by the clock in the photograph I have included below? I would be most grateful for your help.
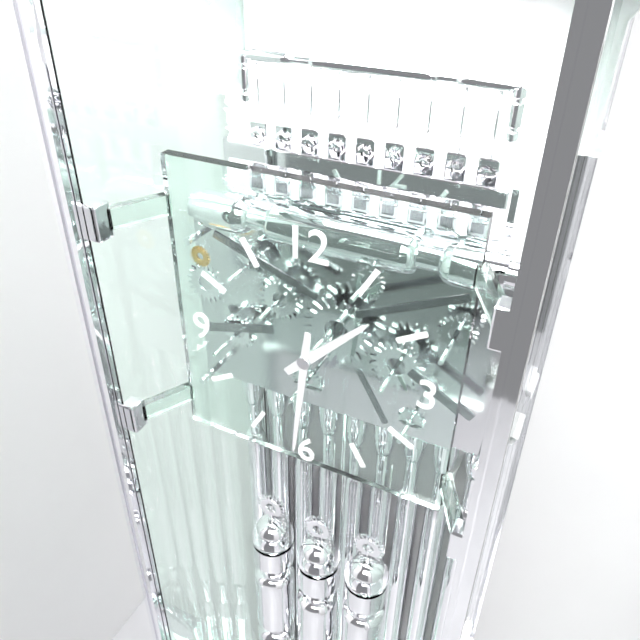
1:31
